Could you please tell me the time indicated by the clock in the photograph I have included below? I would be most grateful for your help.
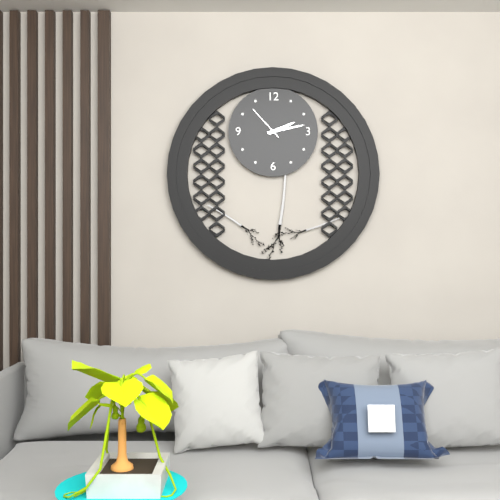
2:13
